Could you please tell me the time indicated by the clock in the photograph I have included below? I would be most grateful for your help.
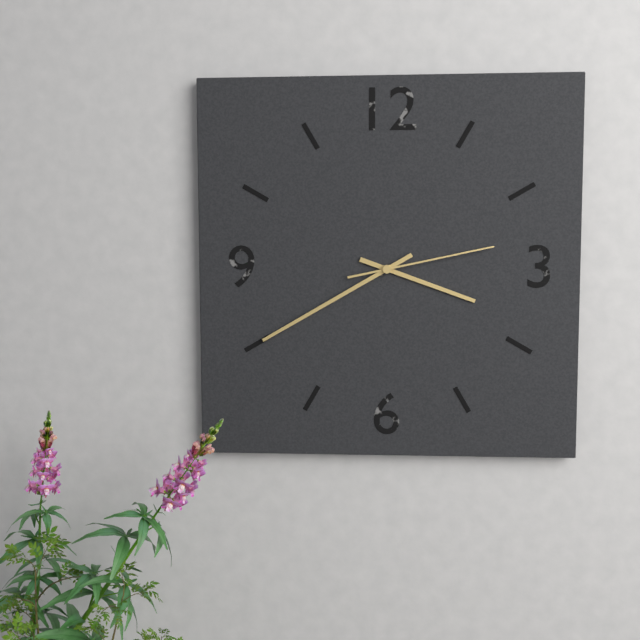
3:40:13
